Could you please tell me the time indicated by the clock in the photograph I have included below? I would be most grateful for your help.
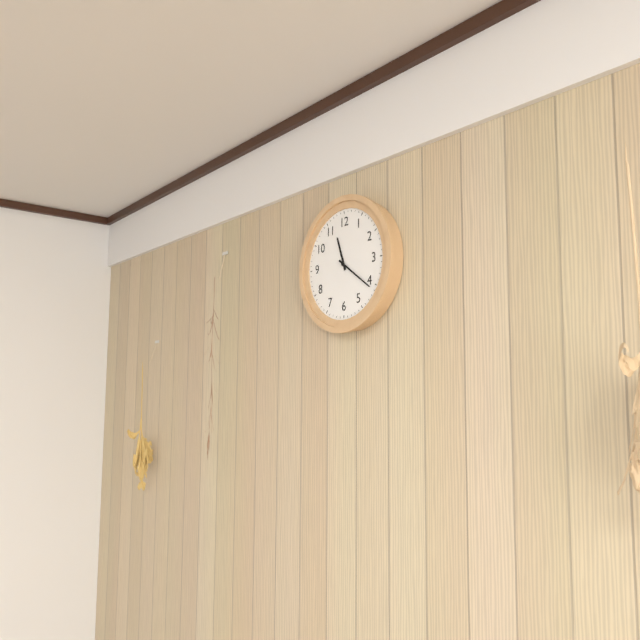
11:21
